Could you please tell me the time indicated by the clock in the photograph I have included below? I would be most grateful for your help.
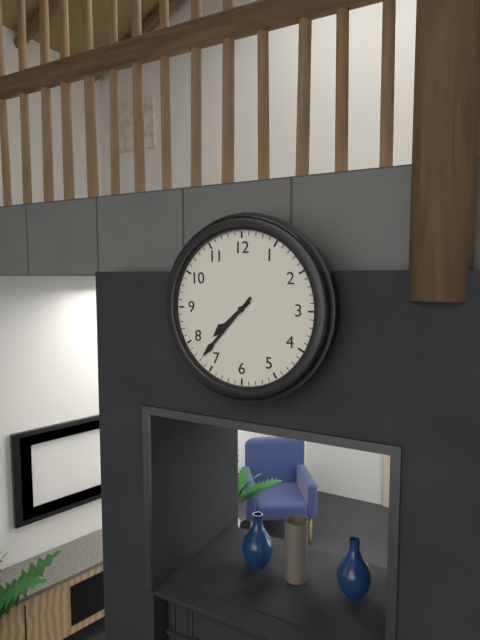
7:37
